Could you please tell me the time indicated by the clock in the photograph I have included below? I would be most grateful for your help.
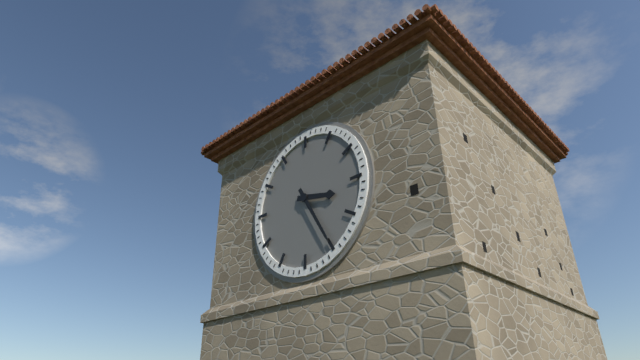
3:25
